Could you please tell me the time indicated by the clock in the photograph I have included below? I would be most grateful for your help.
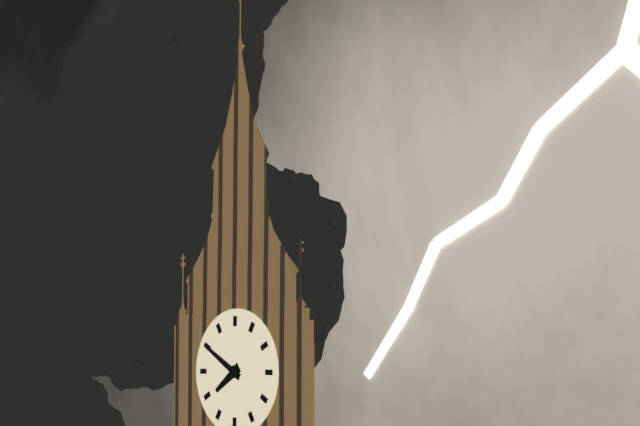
7:50
